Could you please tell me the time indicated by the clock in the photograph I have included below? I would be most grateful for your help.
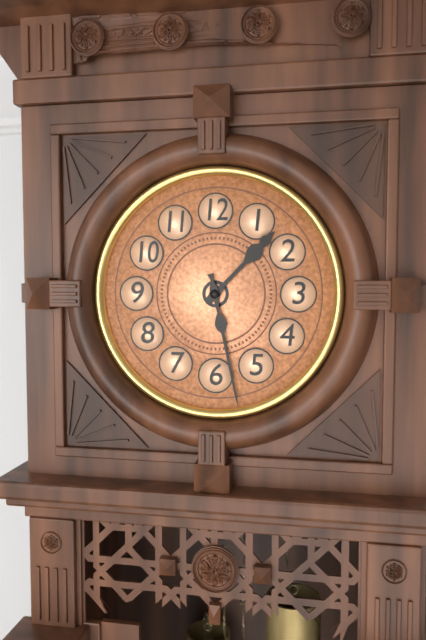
1:28
